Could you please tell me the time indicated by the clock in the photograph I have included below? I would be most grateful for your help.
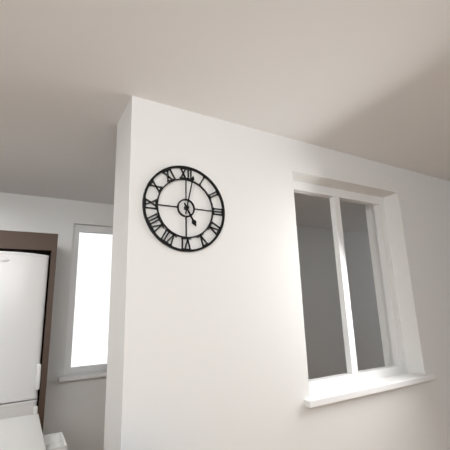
5:02
